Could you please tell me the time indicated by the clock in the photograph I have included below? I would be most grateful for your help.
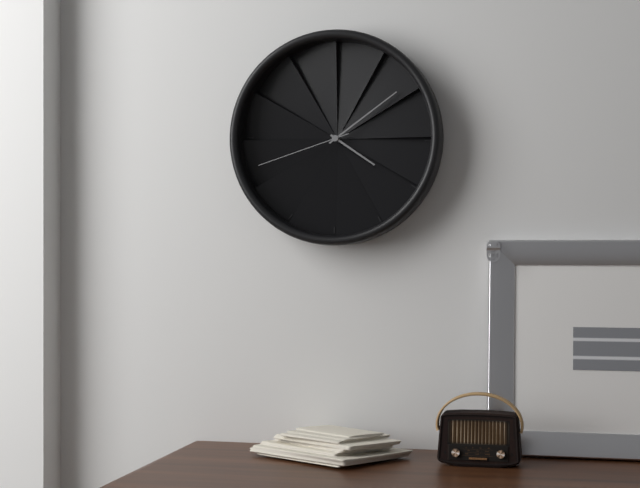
4:09:42
